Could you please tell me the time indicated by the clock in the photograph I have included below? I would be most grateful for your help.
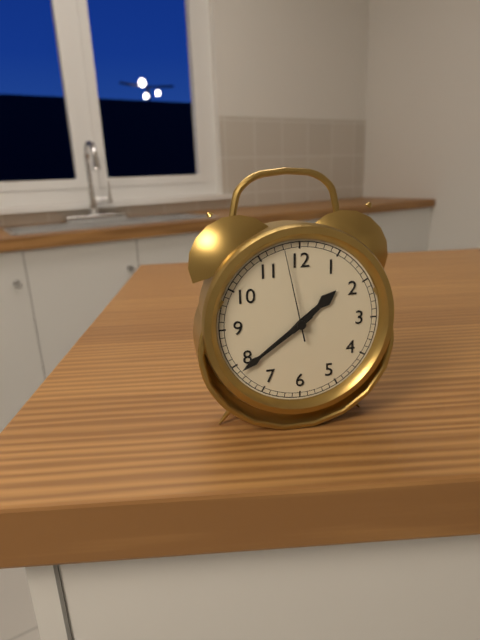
1:39:58
